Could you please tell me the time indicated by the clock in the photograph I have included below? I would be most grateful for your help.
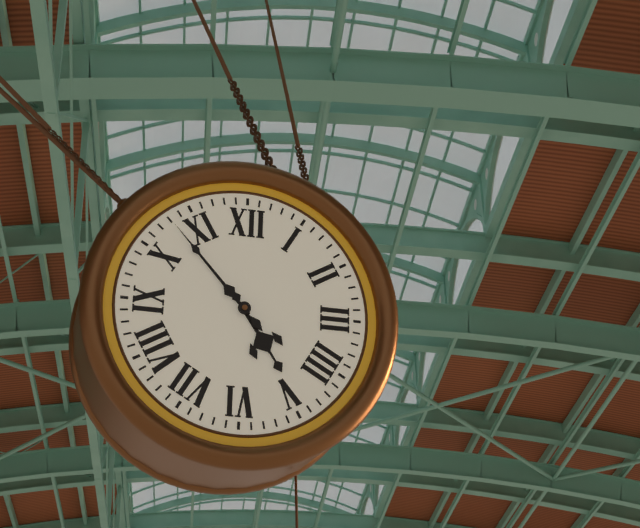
4:53
